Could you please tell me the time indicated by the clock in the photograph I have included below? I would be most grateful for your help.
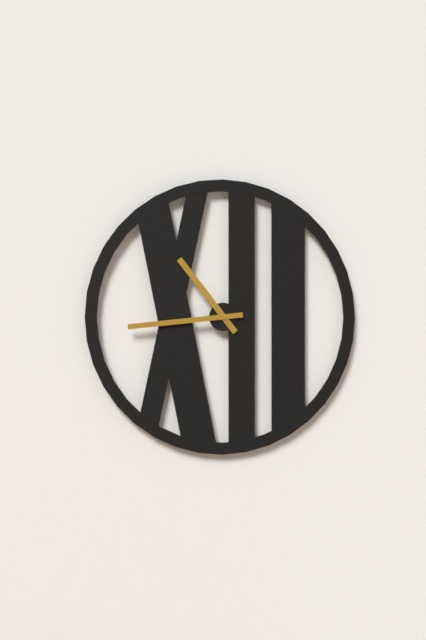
10:44
